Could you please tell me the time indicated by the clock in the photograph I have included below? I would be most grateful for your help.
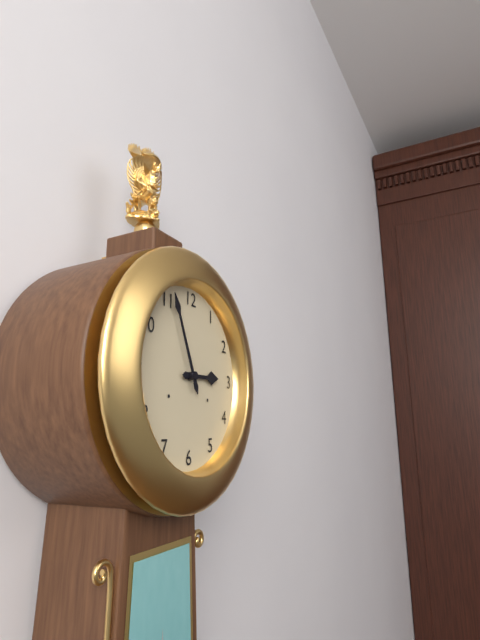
2:56
